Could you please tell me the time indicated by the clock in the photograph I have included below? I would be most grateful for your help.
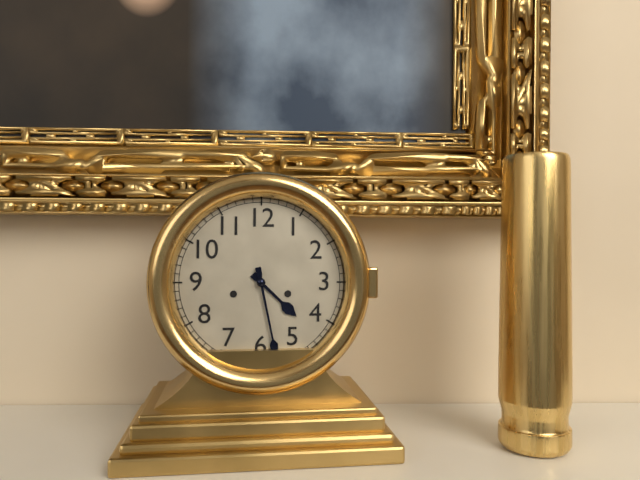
4:28
